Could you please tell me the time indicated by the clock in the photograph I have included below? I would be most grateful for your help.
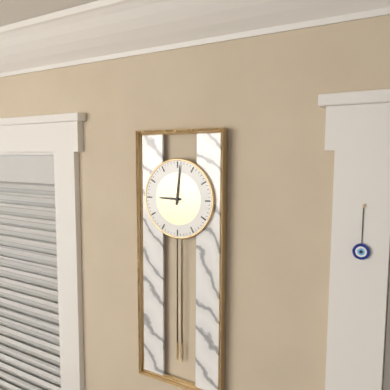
9:01
